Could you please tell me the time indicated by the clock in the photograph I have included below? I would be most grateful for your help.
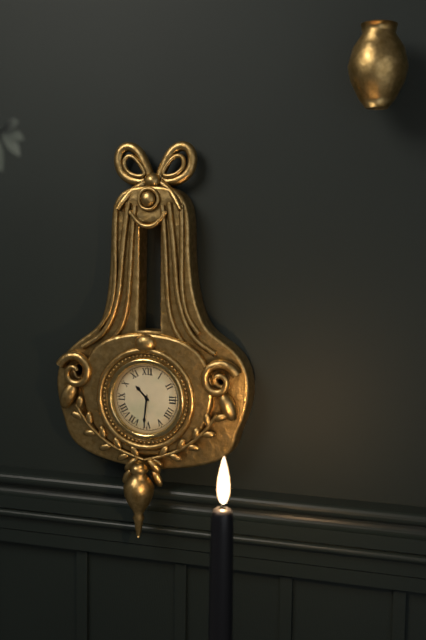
10:31
